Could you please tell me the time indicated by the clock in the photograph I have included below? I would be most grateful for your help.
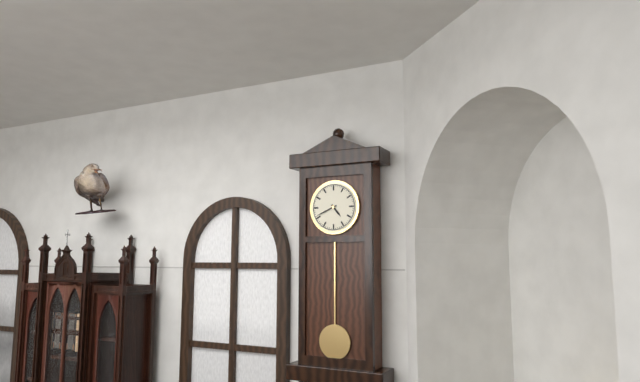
4:41
